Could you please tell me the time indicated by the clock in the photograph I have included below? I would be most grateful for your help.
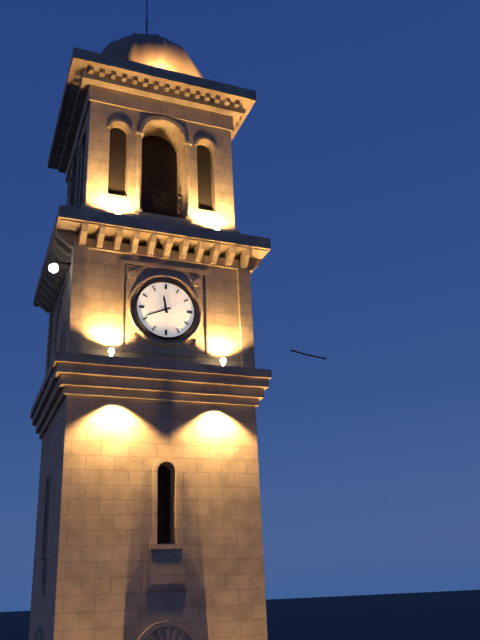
11:41
